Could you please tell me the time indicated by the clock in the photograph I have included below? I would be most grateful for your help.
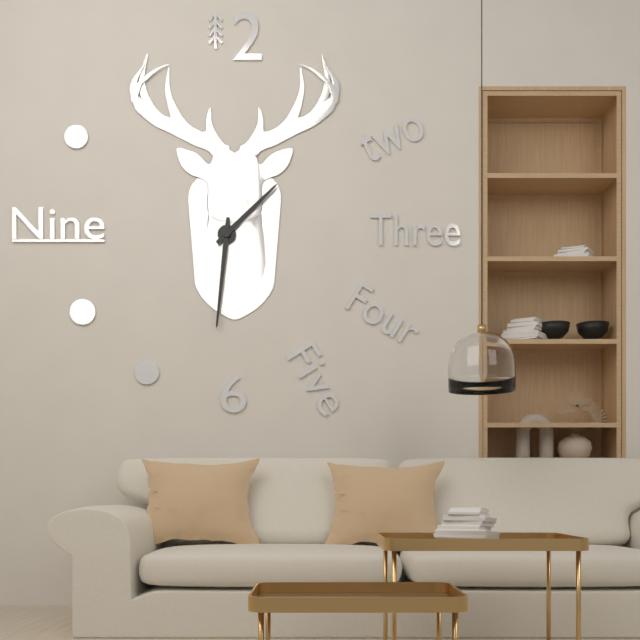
1:31
